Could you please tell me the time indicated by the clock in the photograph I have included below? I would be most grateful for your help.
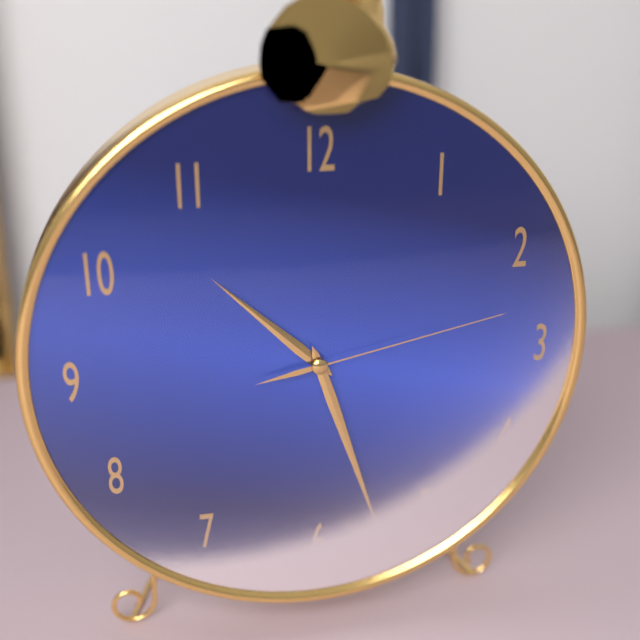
10:27:13
